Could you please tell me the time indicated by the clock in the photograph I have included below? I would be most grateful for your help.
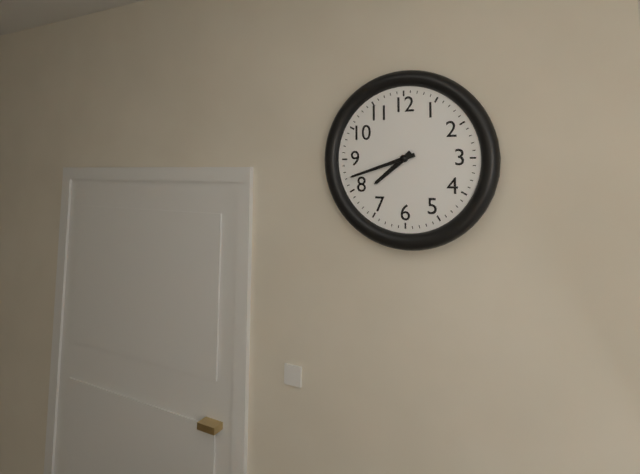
7:42
